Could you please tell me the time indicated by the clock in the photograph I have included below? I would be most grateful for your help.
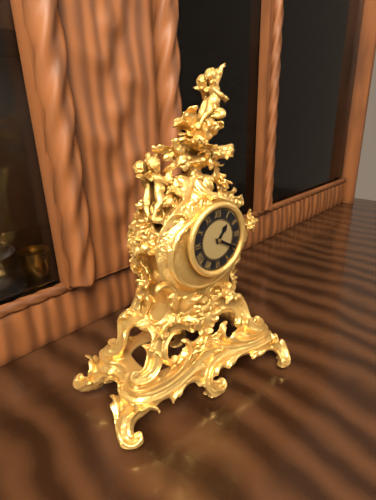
1:20
